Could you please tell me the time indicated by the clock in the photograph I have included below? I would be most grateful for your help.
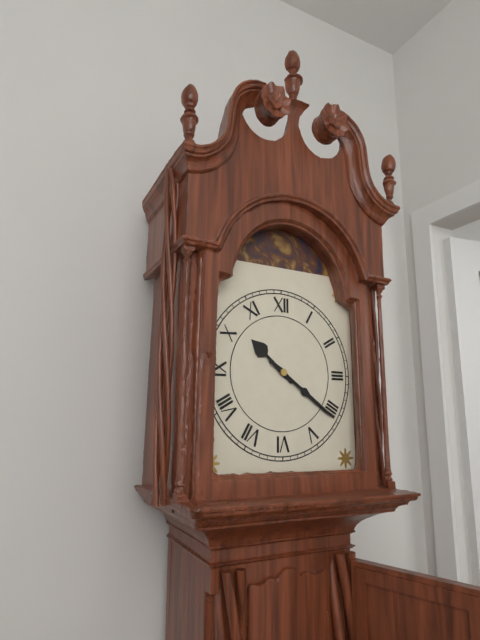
10:21
